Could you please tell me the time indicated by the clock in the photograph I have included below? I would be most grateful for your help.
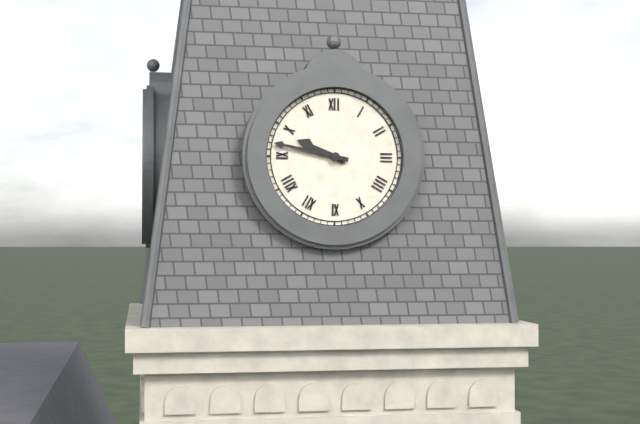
9:47
